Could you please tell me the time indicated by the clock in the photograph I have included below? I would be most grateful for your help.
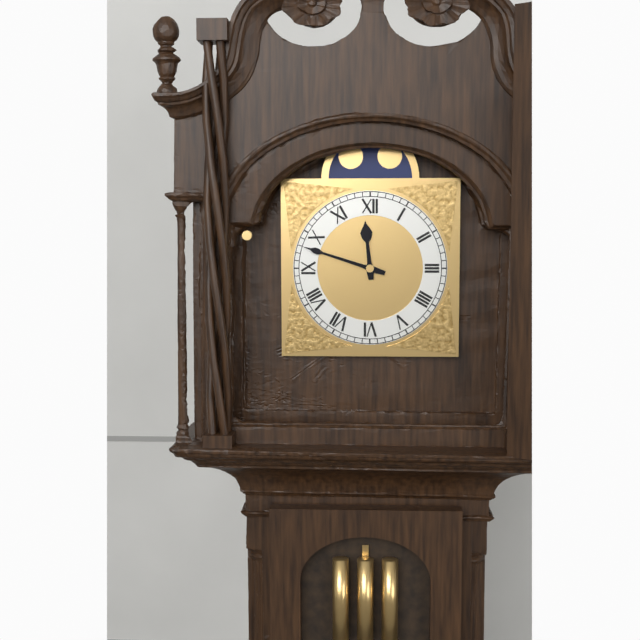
11:48
